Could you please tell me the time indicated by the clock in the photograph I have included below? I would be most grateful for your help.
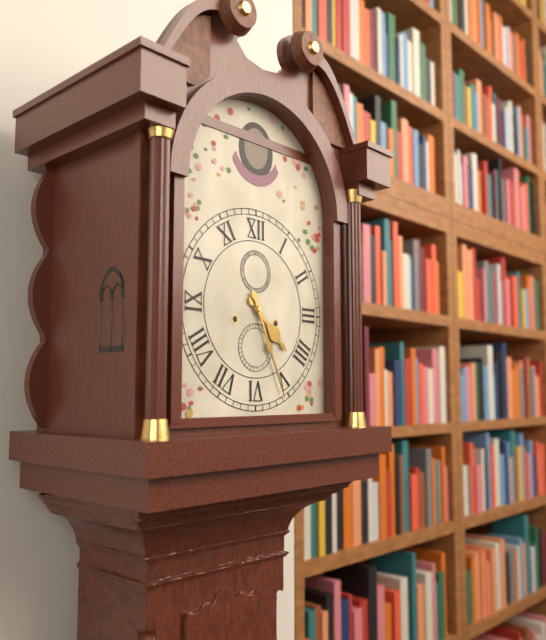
4:26
